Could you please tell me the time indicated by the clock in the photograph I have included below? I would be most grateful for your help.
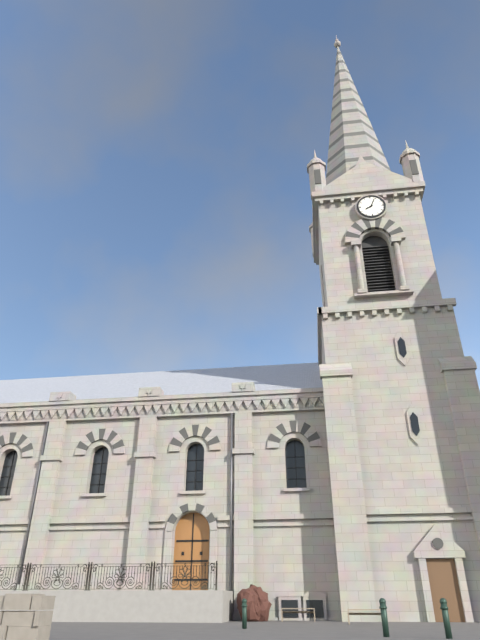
8:04
